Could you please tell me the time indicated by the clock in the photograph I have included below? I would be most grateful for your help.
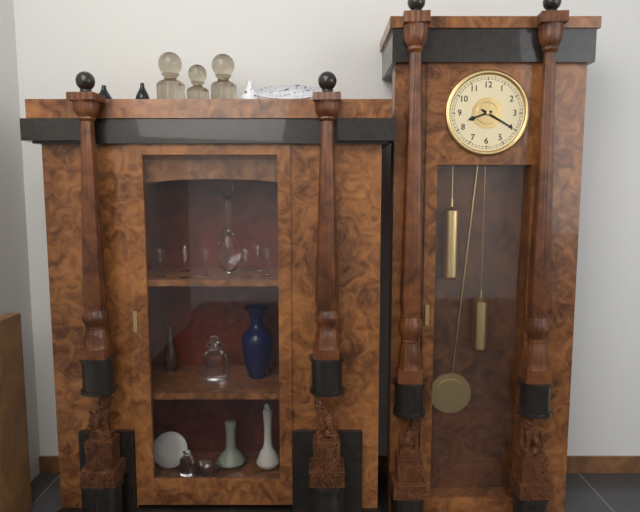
8:20
